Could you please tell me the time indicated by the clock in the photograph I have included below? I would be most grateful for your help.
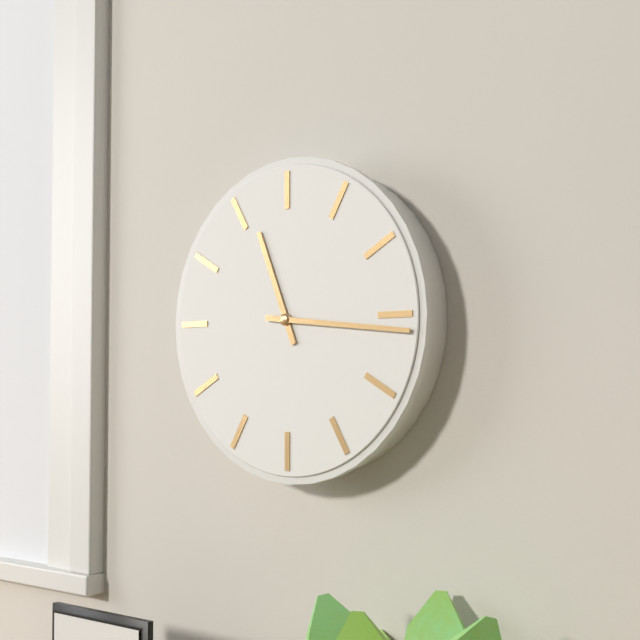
11:16
